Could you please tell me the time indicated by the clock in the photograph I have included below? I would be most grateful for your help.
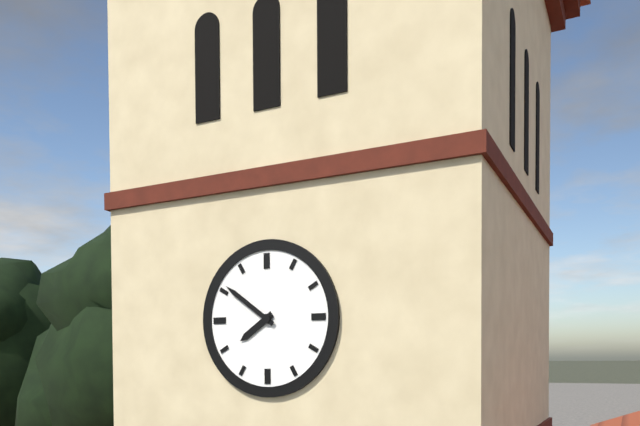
7:51
